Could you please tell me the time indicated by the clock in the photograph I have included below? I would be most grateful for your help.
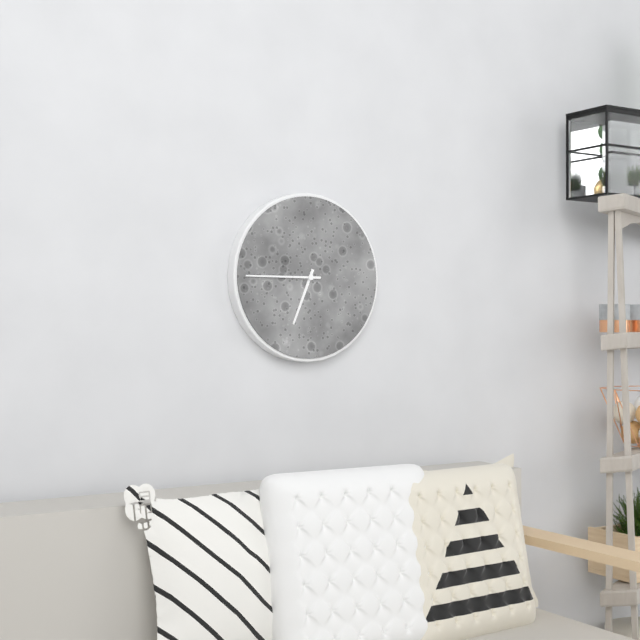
6:45
